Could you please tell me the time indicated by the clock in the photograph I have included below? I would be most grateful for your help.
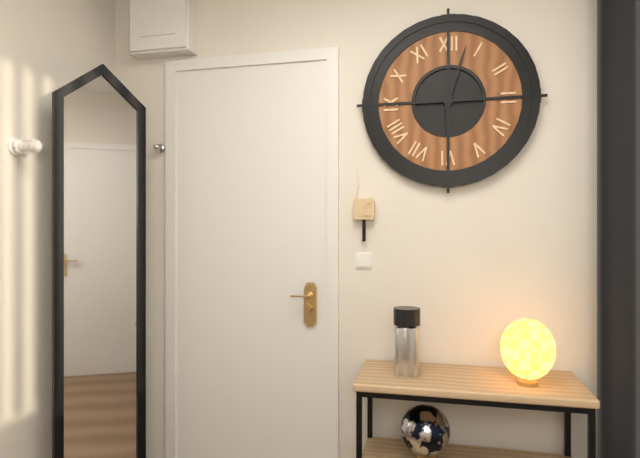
6:03
